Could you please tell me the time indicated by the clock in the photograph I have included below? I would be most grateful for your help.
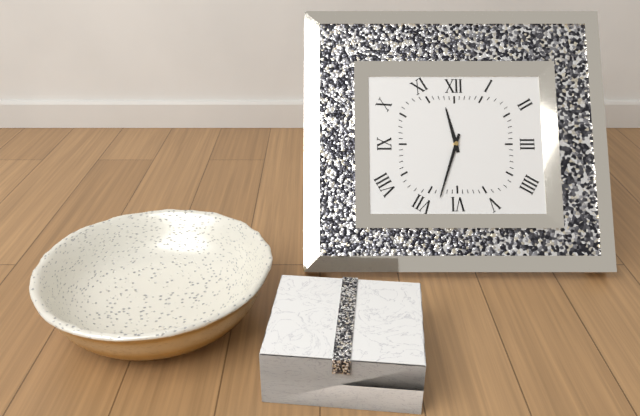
11:33
